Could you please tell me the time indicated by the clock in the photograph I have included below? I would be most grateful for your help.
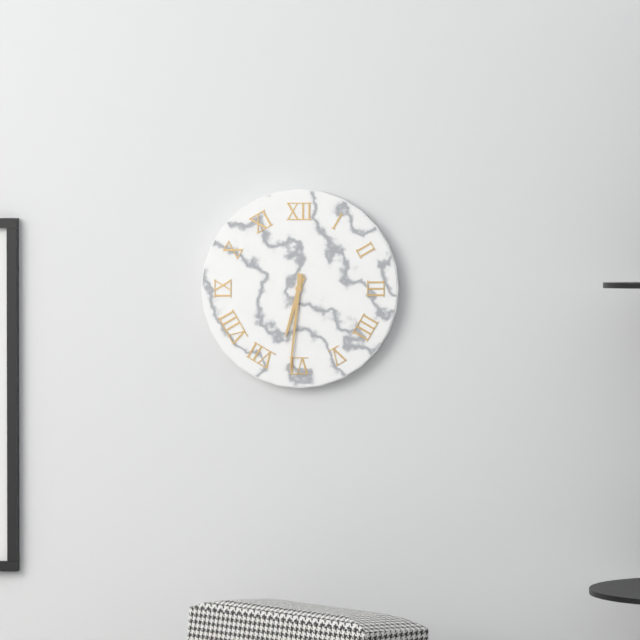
6:31
